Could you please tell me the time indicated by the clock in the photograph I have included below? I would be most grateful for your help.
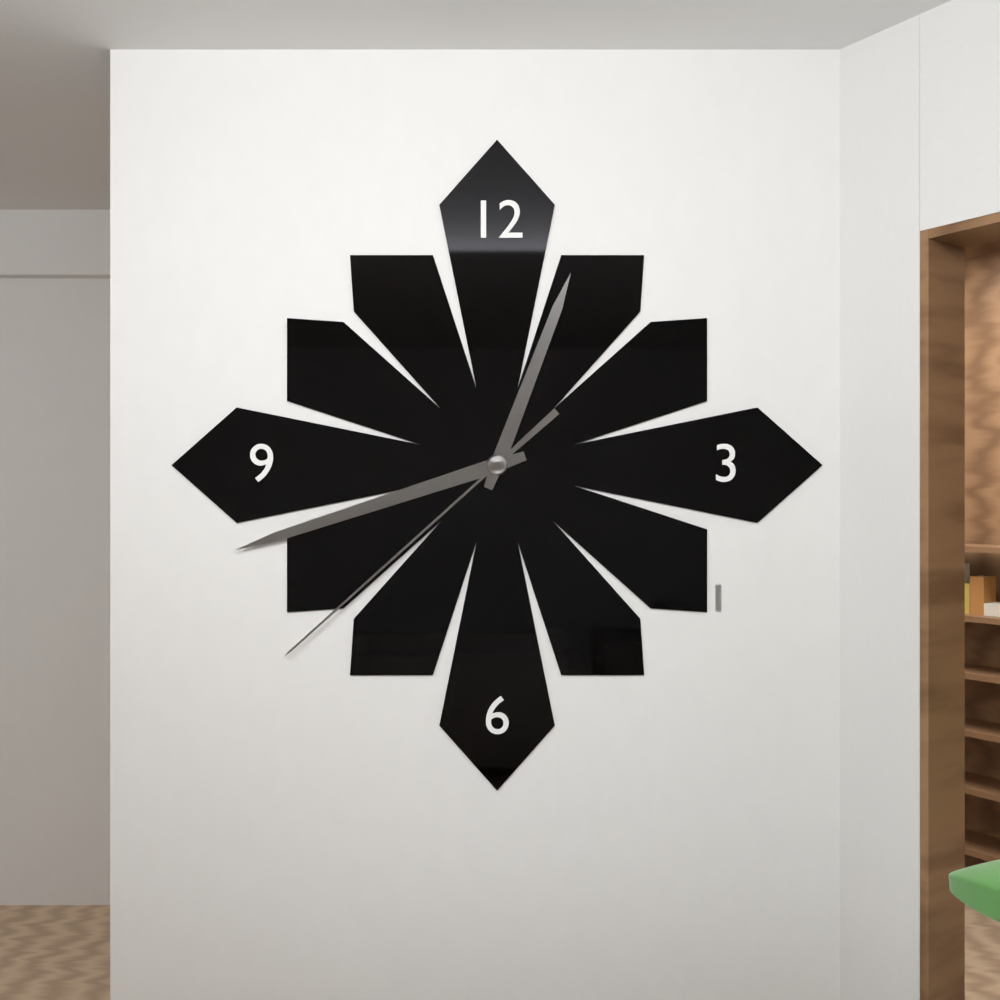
12:42:38
